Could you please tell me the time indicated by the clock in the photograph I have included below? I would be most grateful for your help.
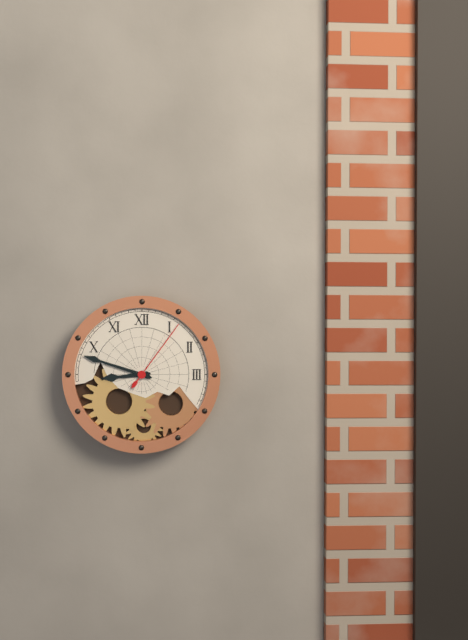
8:48:06
